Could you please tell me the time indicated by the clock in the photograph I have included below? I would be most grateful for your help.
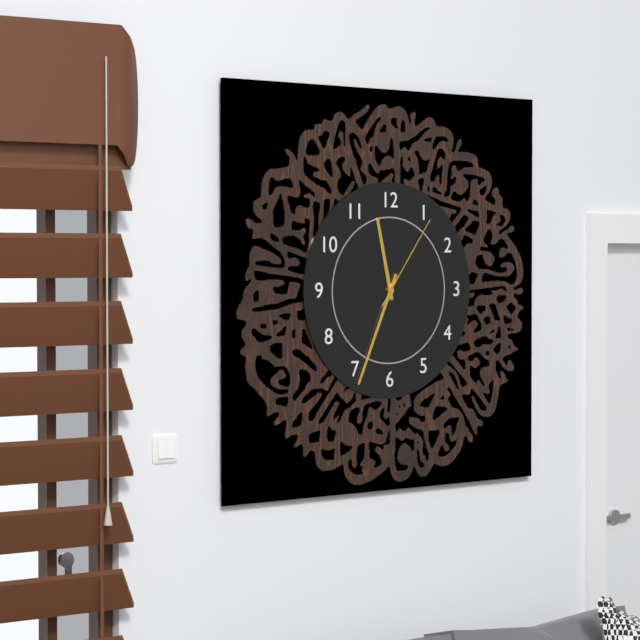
11:34:06
